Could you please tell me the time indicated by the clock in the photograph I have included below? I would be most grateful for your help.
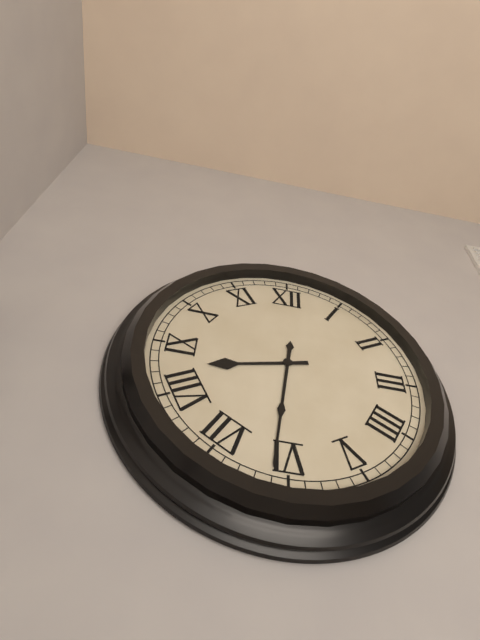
8:31
